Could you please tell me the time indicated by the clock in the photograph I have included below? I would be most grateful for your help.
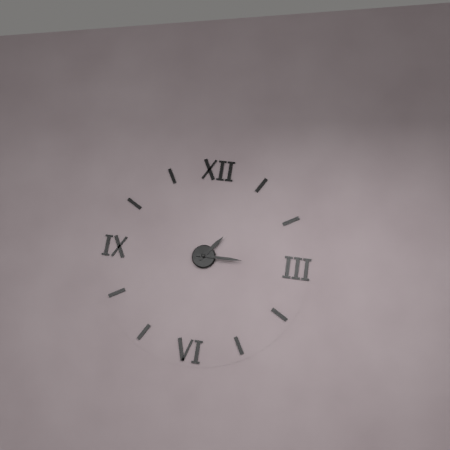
1:15
